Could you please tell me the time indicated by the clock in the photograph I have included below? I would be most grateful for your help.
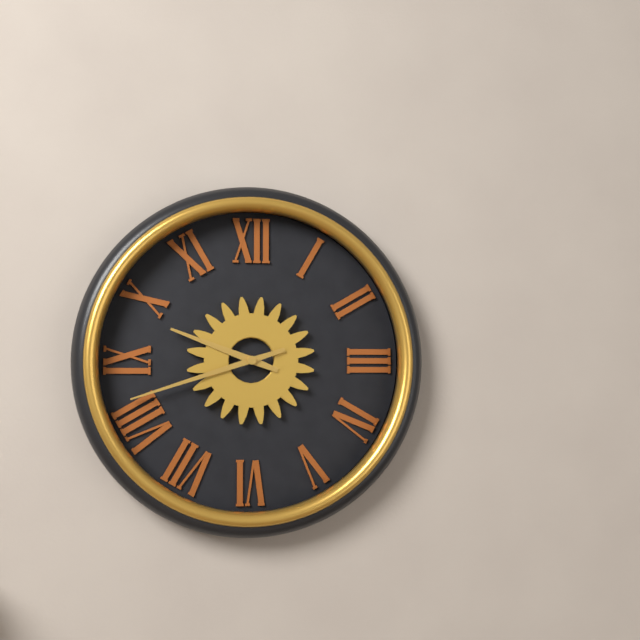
9:42
